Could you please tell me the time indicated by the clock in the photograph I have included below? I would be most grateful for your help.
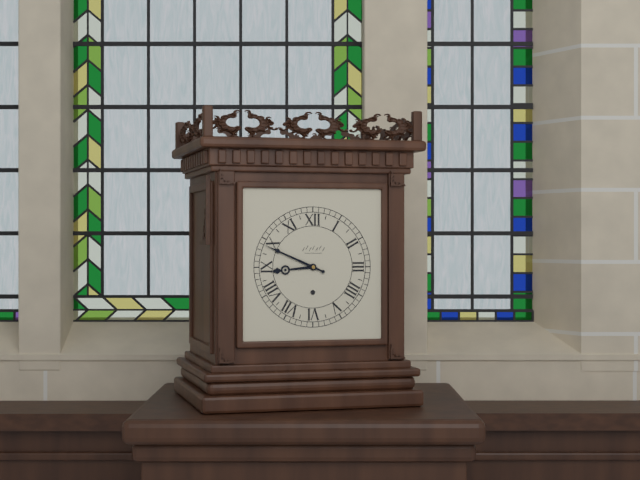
8:49
